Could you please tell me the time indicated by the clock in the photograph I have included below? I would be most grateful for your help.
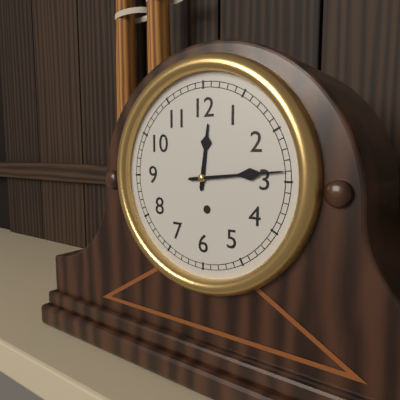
12:14
